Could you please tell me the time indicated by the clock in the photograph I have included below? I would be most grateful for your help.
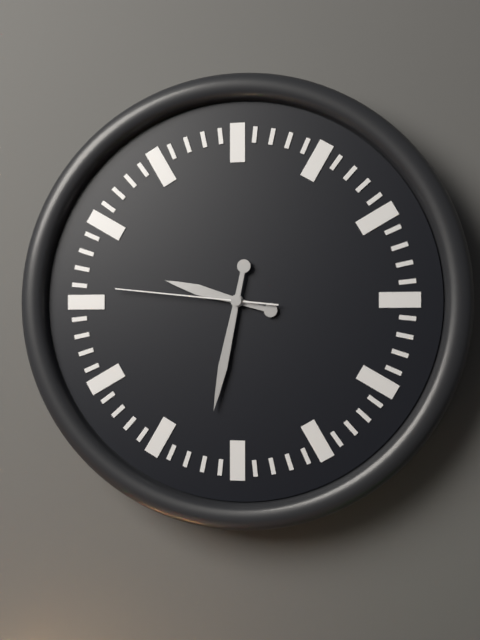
9:32:46
